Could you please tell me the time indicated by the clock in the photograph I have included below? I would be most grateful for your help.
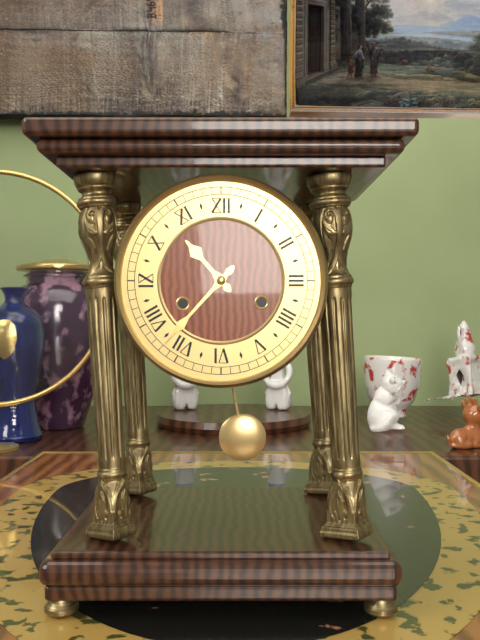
10:37
